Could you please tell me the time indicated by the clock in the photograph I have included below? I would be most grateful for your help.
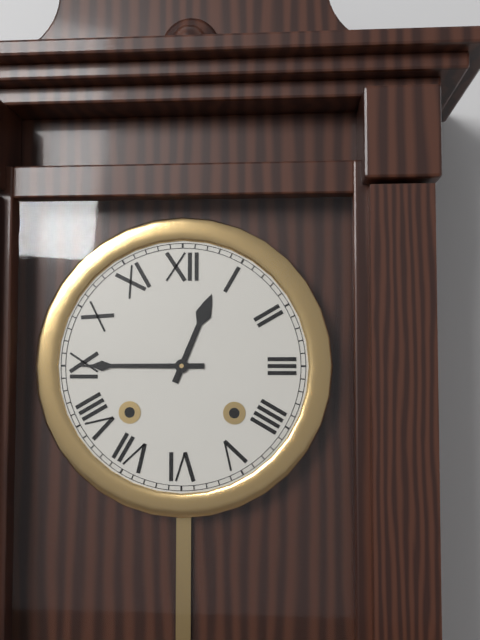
12:45
